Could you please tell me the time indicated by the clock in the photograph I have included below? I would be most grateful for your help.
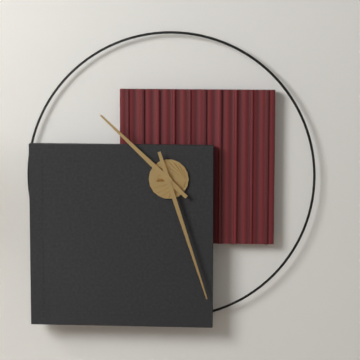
10:27
